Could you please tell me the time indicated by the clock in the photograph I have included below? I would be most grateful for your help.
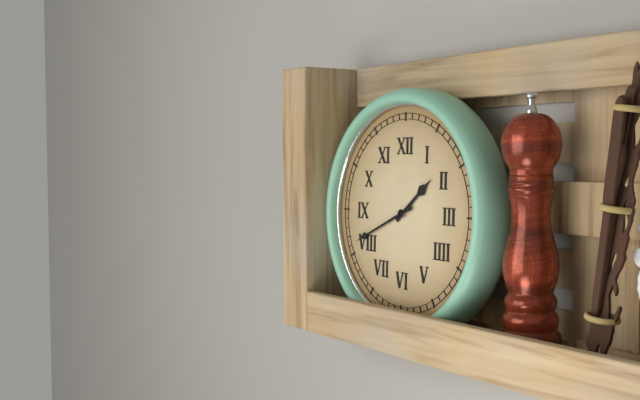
1:41
